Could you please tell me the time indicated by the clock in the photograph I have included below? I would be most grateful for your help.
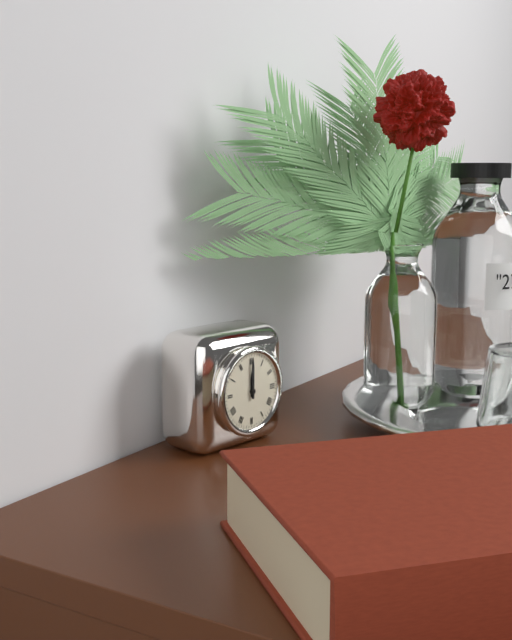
12:00
